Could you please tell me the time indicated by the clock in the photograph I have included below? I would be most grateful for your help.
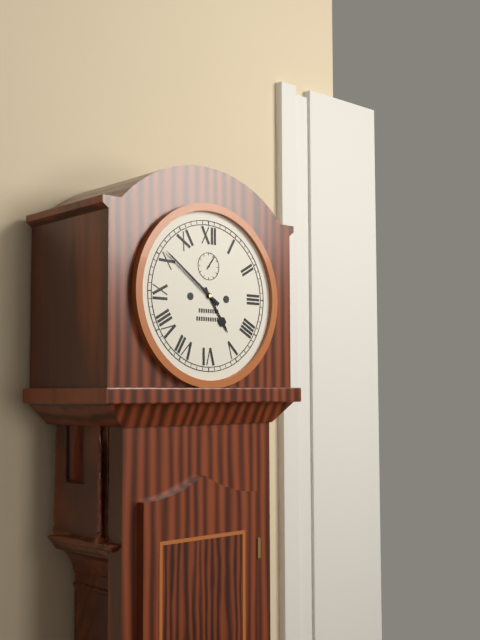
4:51
